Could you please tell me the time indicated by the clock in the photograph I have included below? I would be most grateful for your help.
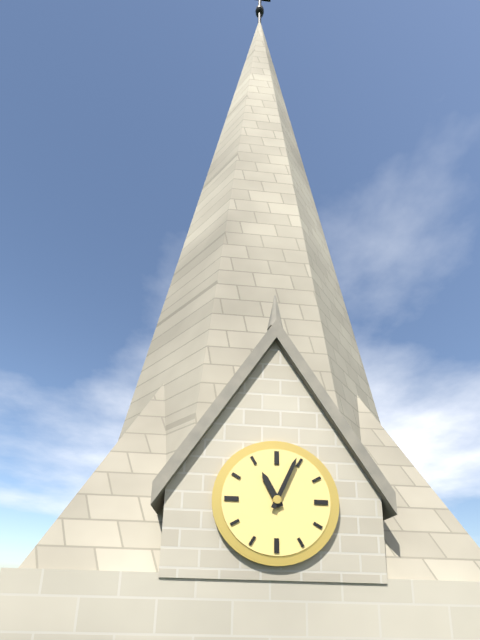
11:04
